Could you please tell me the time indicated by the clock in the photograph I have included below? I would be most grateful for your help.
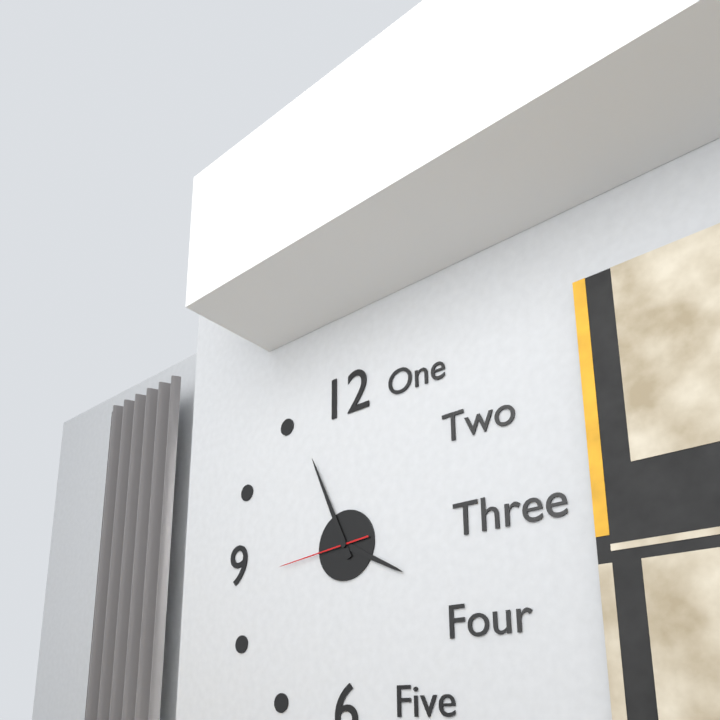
3:56:44
